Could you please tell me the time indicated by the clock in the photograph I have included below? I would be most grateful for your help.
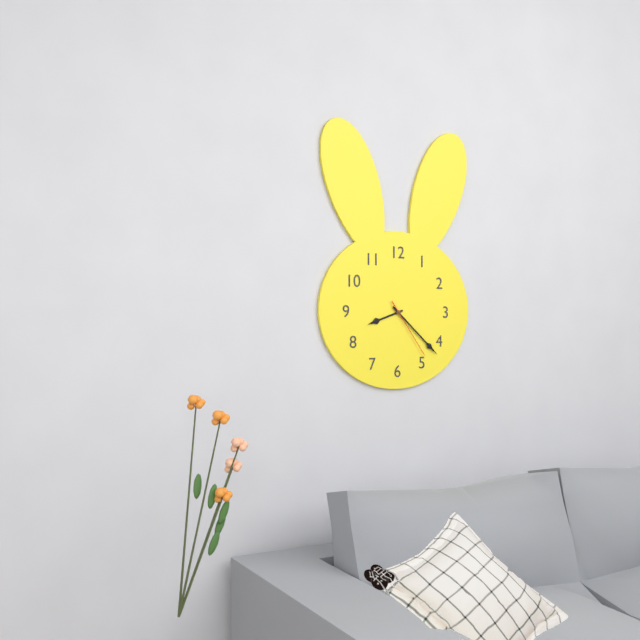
8:22:24
